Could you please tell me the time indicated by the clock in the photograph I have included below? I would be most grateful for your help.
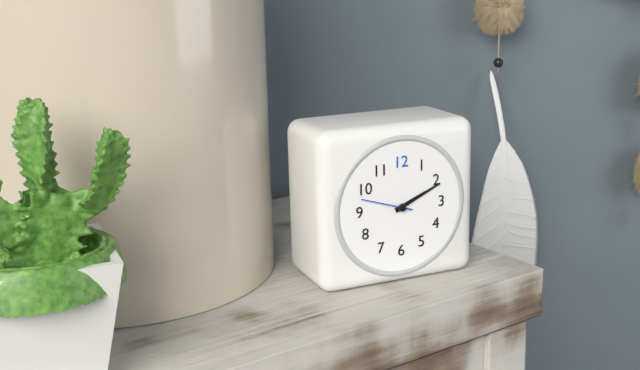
2:11:48
